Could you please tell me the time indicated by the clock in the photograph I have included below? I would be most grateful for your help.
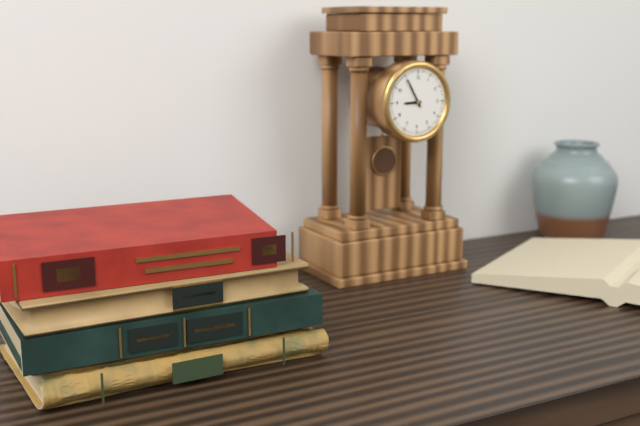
8:55
